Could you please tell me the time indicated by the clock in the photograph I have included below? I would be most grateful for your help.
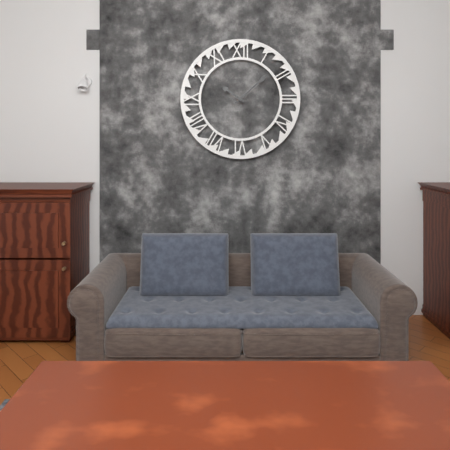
10:08
